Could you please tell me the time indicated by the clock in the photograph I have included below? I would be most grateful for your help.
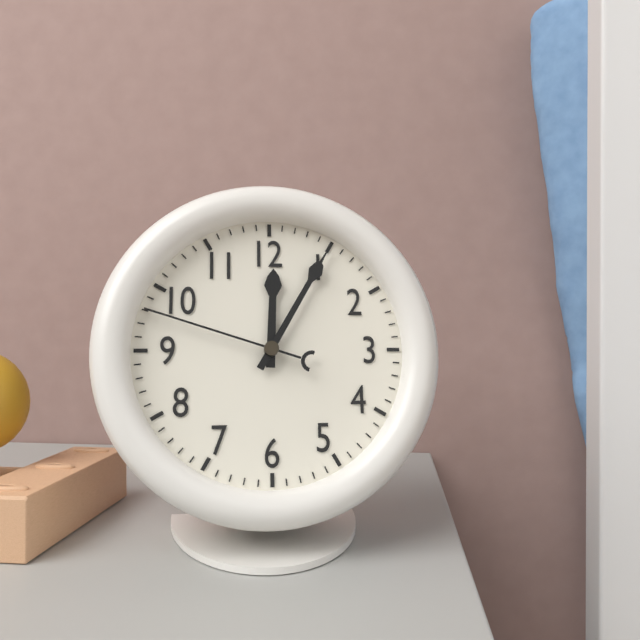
12:05:48
